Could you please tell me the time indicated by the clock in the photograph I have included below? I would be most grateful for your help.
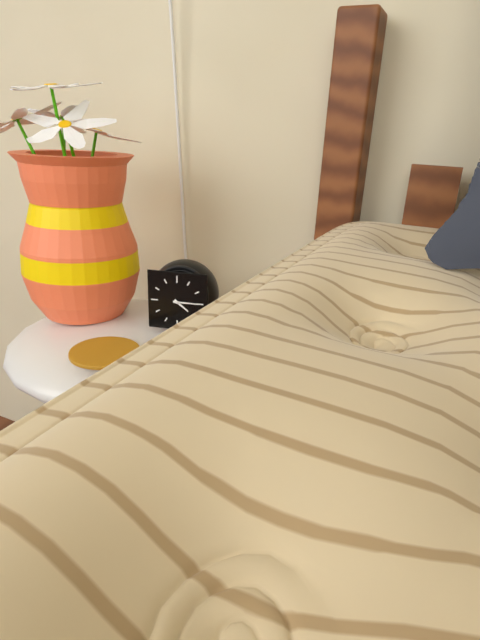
4:15
